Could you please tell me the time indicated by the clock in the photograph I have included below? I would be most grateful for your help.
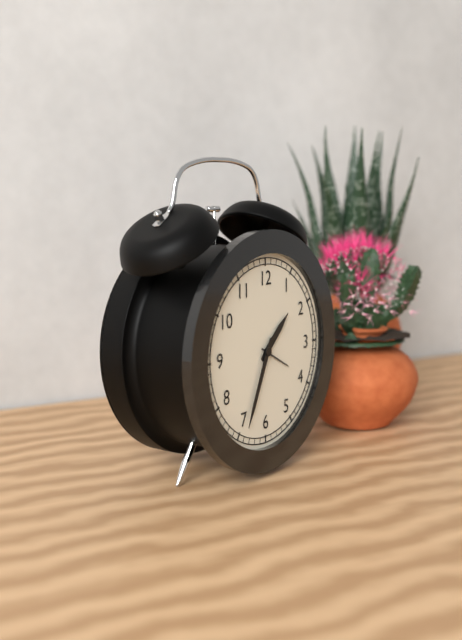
1:34
